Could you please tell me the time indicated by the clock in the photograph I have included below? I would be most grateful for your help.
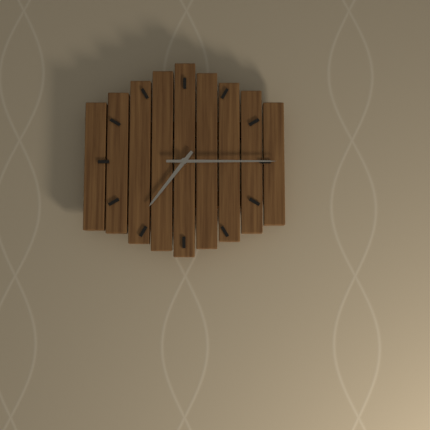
7:15
